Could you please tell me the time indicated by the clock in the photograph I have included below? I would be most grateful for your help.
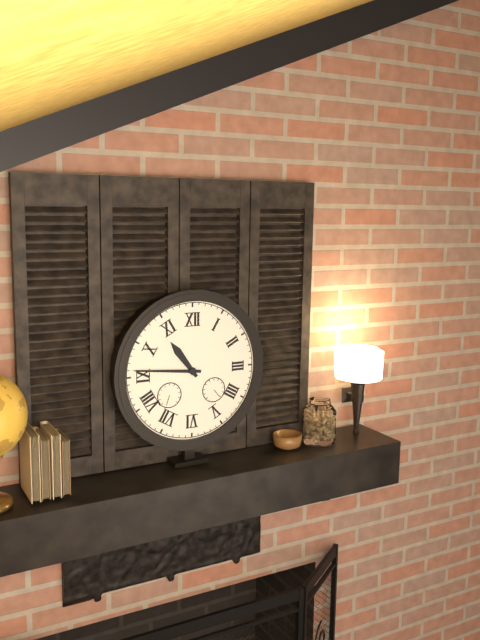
10:46
